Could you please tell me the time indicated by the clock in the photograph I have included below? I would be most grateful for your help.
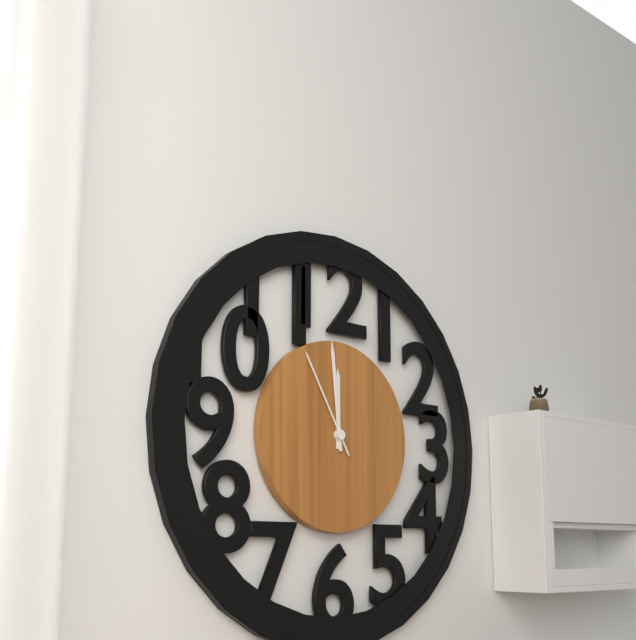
11:59:55
